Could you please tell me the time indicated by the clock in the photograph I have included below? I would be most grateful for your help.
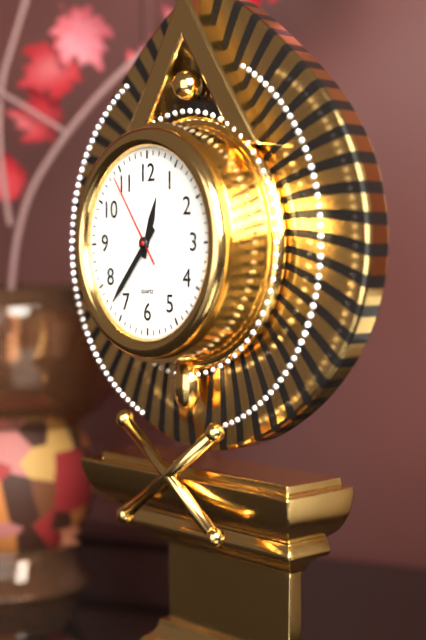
12:37:54
